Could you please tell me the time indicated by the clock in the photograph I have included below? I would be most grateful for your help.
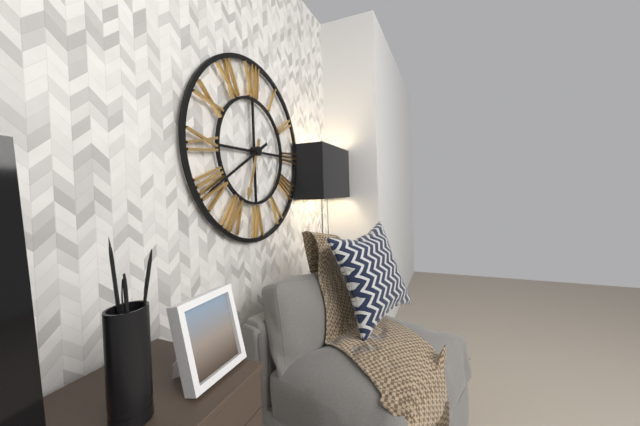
6:40
